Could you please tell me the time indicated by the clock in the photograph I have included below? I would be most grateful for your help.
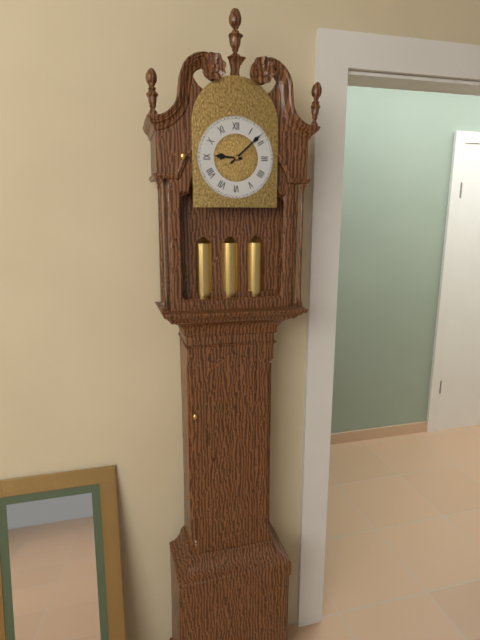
9:08
